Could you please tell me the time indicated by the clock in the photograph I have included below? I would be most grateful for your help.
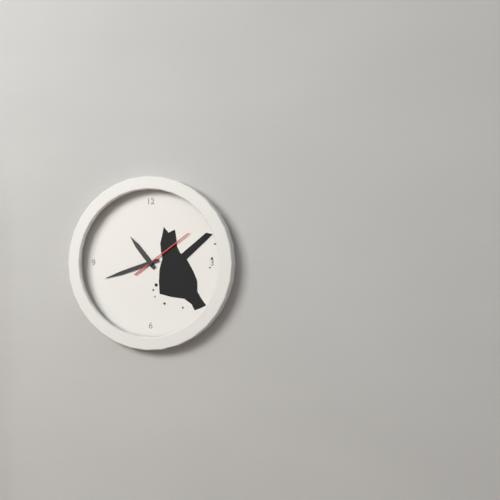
10:42:09
